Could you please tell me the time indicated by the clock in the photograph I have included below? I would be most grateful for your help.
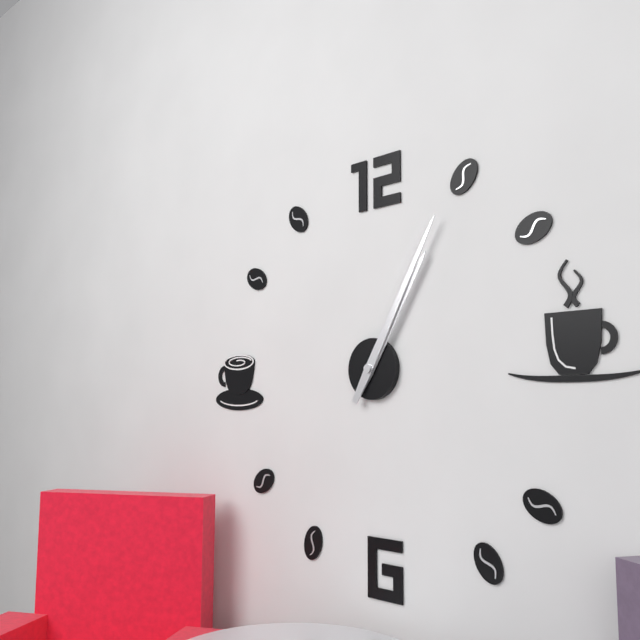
1:05
